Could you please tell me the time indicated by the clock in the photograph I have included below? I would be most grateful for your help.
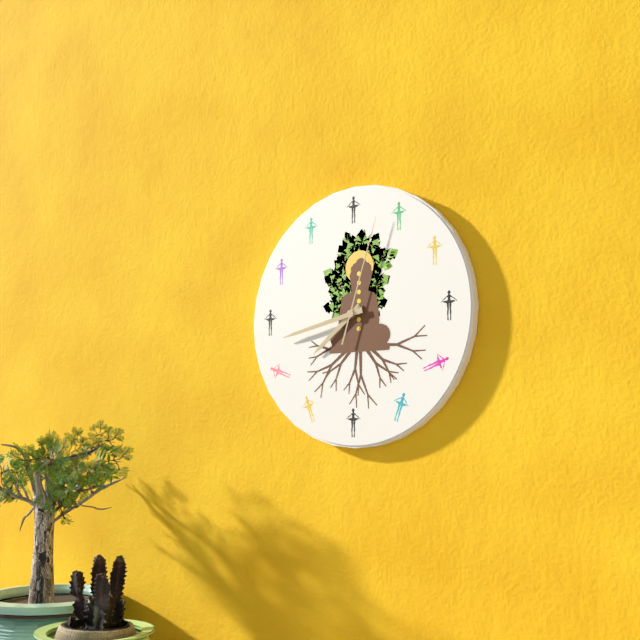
7:43:03
